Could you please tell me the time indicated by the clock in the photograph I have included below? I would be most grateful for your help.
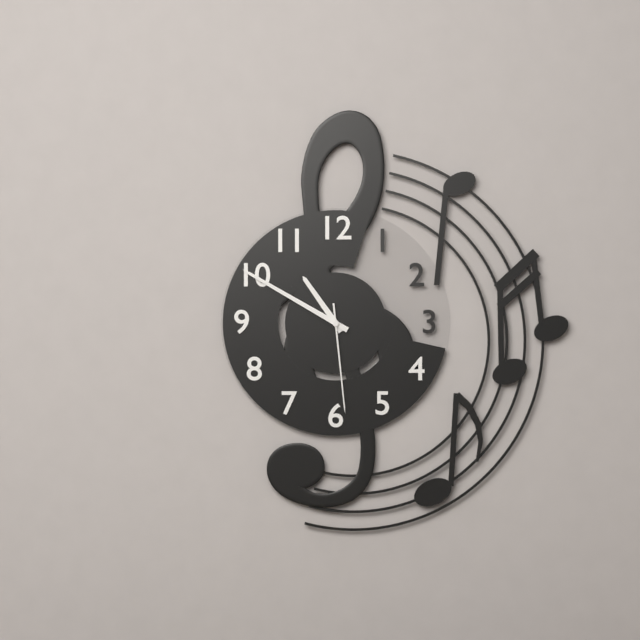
10:50:29
